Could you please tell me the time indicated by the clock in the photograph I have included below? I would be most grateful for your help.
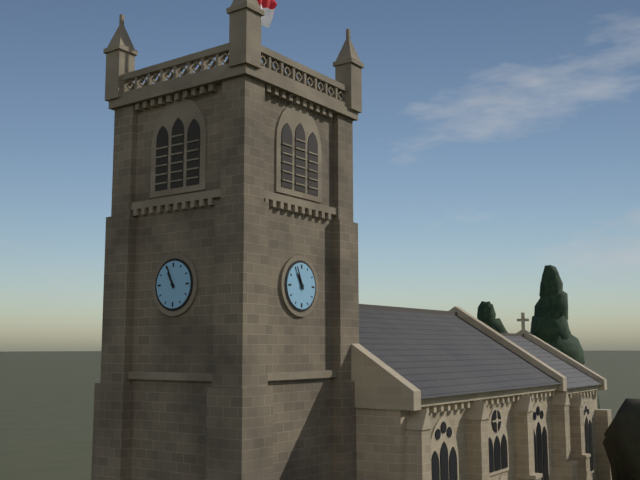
10:56
